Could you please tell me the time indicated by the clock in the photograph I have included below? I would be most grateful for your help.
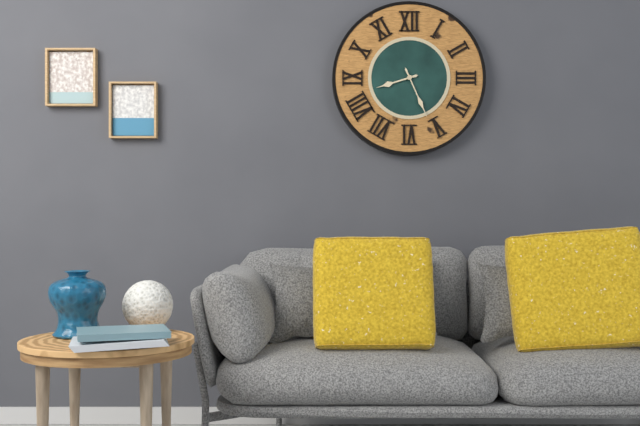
8:26
